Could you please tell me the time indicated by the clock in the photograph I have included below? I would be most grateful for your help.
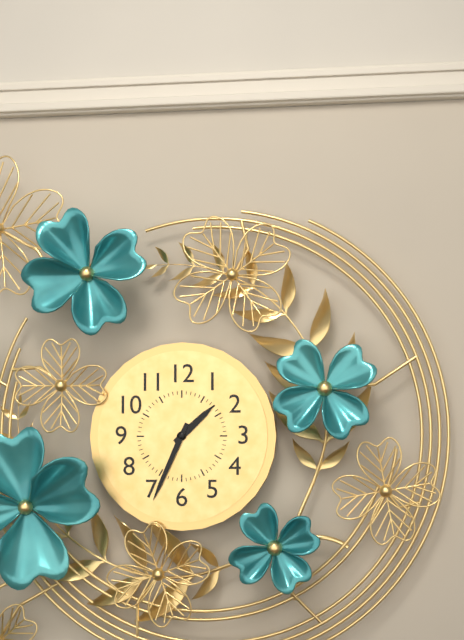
1:34
